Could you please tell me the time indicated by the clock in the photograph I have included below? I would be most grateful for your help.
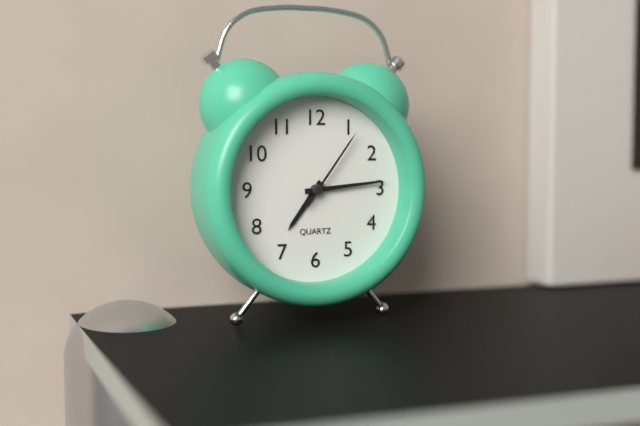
7:14:06
